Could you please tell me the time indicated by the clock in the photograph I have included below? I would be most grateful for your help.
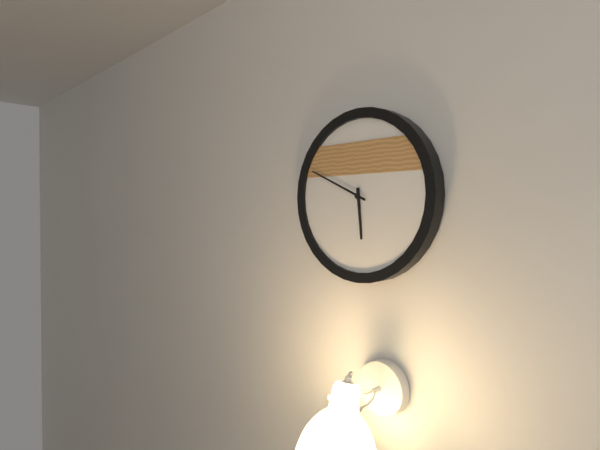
5:49
